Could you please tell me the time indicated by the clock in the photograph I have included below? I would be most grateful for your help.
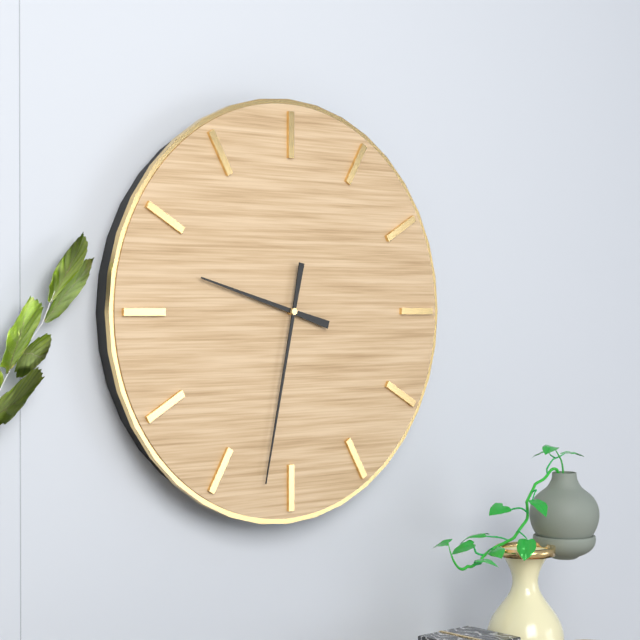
9:32
